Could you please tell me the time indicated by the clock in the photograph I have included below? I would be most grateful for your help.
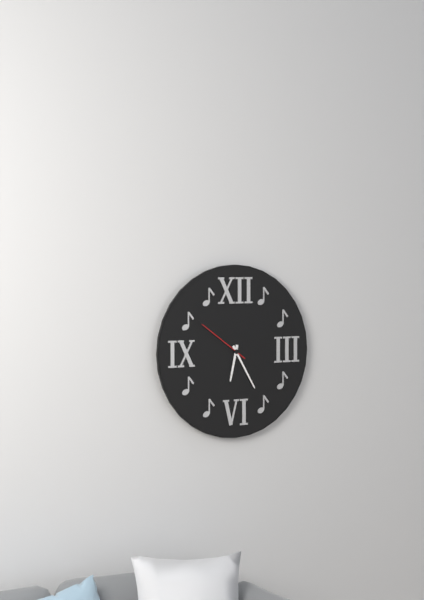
6:25:51
